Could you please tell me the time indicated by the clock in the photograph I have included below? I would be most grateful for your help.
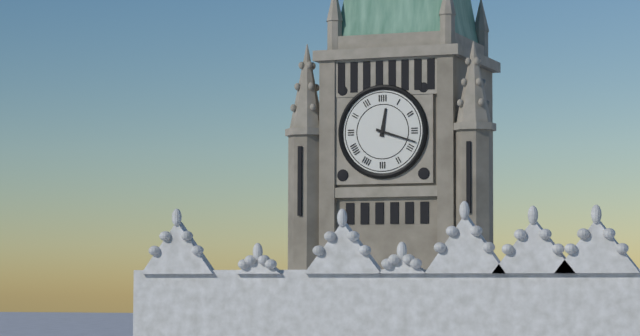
12:18
